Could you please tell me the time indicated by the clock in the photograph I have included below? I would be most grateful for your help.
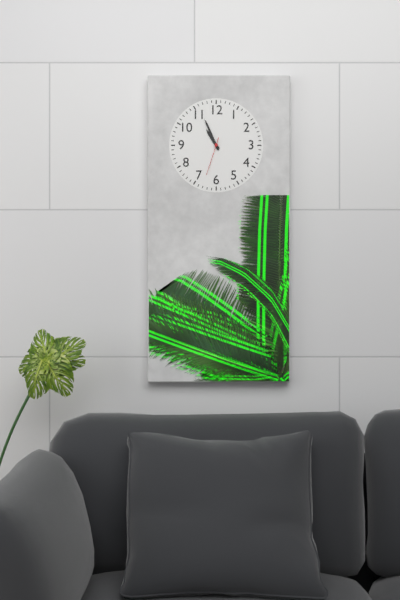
10:56
